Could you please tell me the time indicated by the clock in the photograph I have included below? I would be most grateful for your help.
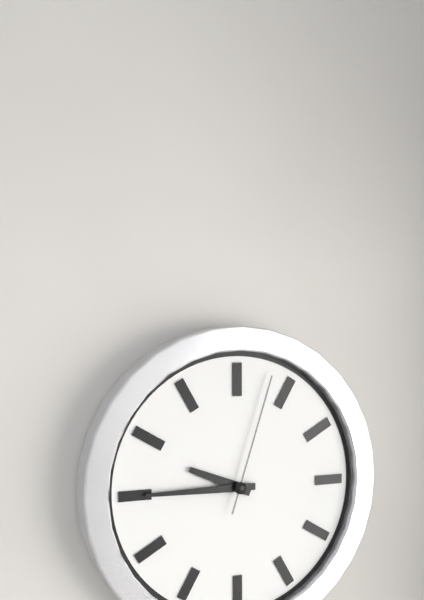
9:45:03
